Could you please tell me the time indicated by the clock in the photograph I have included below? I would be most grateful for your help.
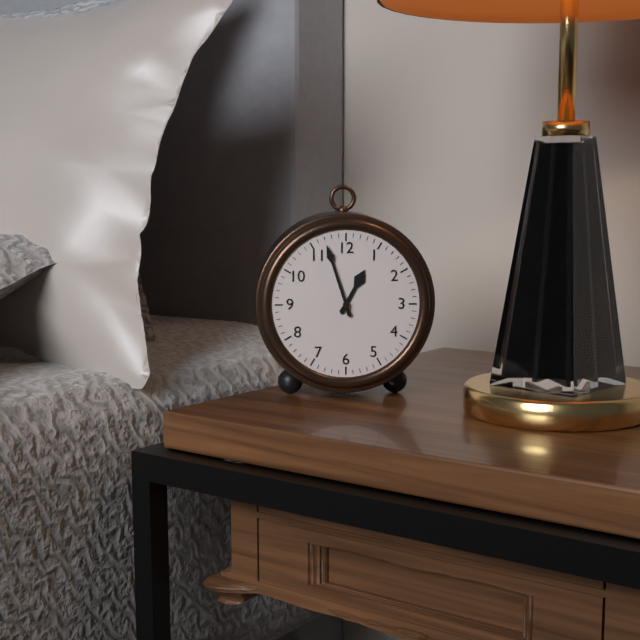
12:57
